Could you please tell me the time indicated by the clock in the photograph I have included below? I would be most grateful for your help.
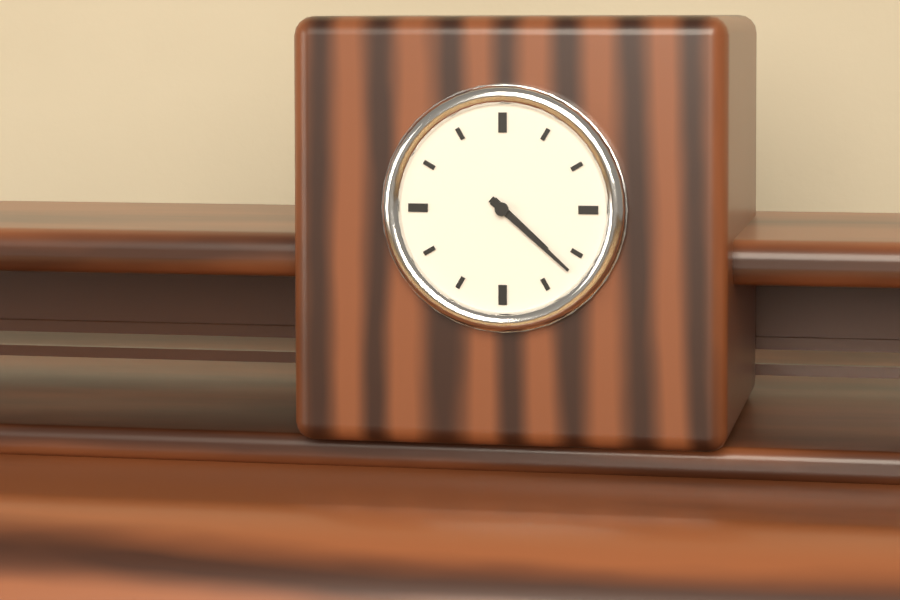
4:22
